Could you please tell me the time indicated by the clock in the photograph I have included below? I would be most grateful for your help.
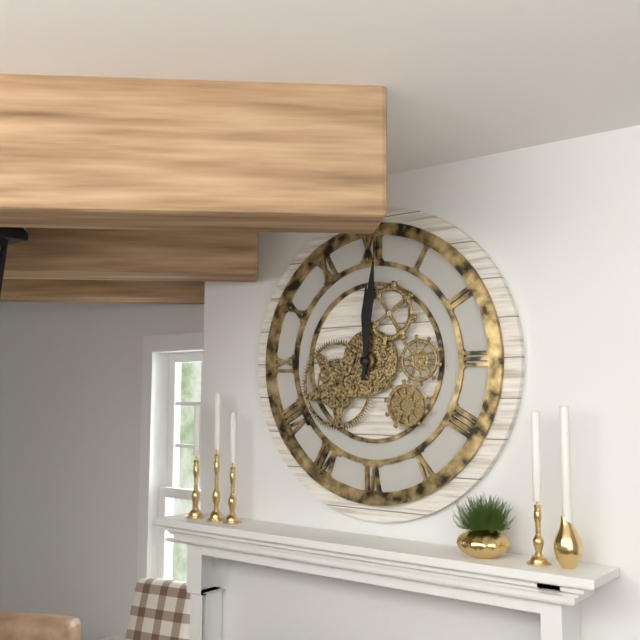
12:01
